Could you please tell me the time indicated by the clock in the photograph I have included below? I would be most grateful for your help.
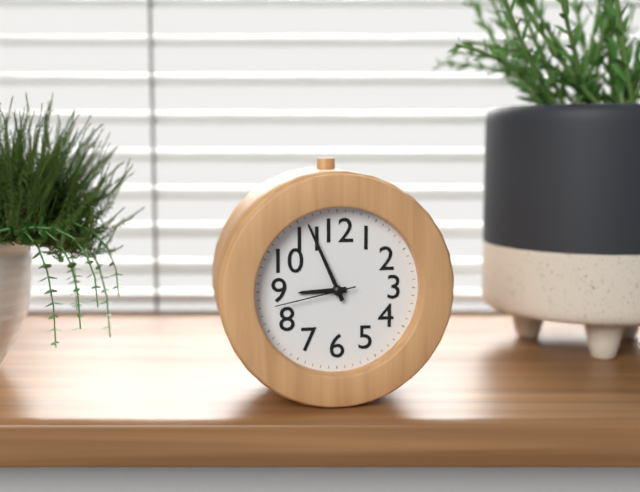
8:56:43
